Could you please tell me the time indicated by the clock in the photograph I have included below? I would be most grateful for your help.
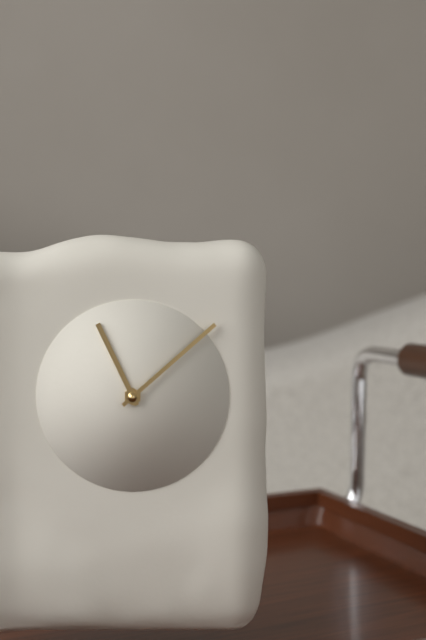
11:08
